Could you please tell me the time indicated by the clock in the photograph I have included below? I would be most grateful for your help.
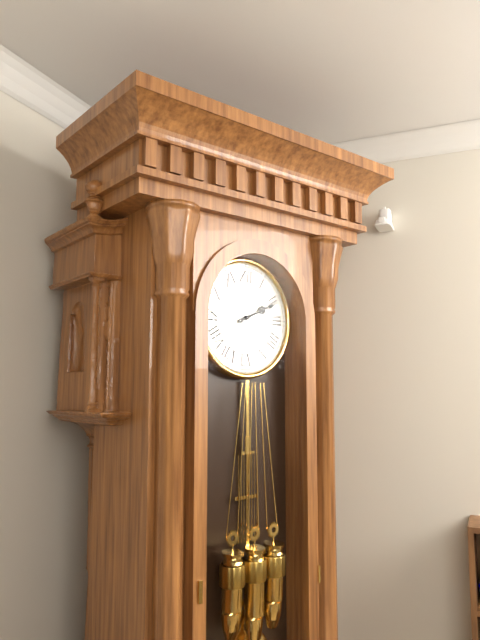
2:11
